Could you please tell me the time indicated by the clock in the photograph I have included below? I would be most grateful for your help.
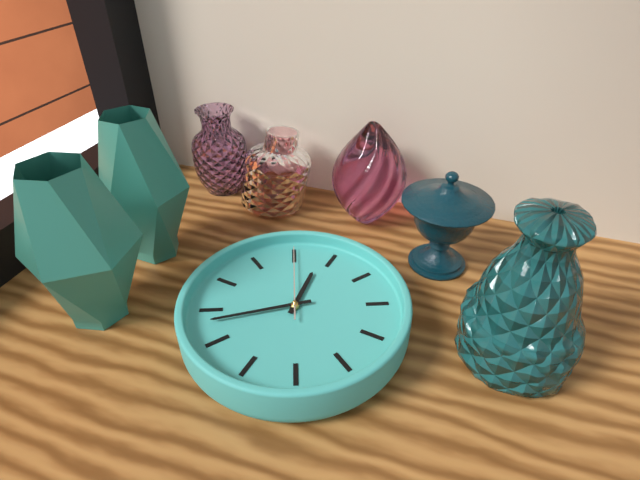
12:43:00
